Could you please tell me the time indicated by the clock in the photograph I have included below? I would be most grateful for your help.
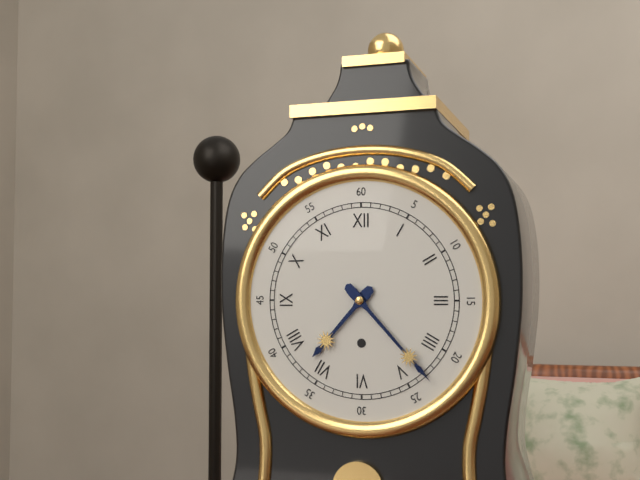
7:23
